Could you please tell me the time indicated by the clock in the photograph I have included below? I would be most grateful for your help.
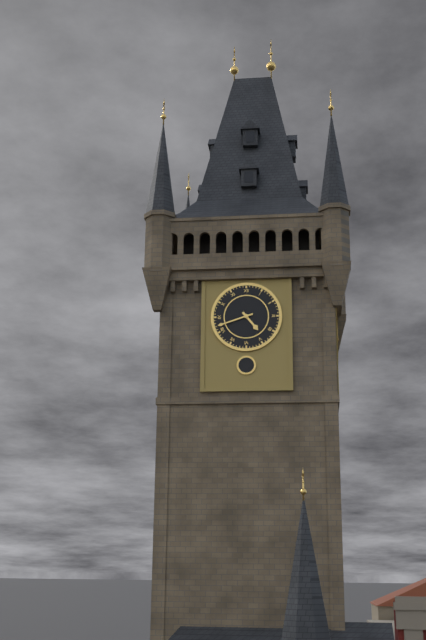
4:42
